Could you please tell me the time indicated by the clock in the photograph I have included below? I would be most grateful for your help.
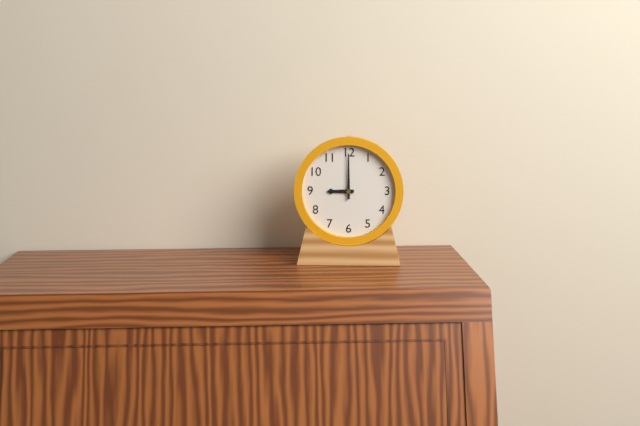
9:00
